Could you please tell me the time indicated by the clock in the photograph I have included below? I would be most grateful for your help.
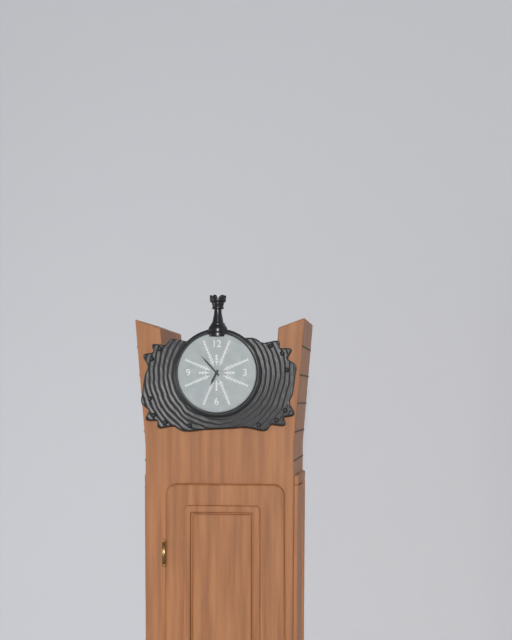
6:53
